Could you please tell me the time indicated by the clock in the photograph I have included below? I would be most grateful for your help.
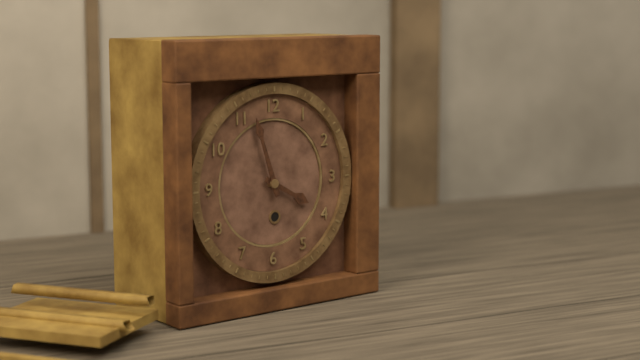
3:57
